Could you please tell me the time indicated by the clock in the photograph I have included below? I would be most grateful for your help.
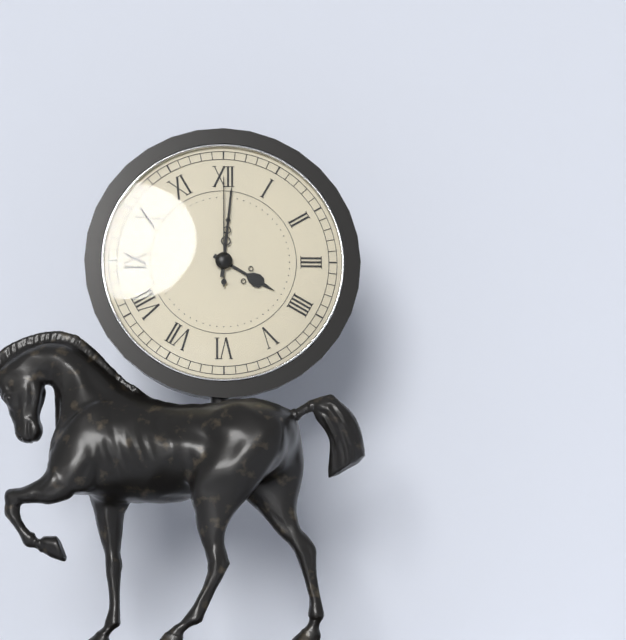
4:01:00
